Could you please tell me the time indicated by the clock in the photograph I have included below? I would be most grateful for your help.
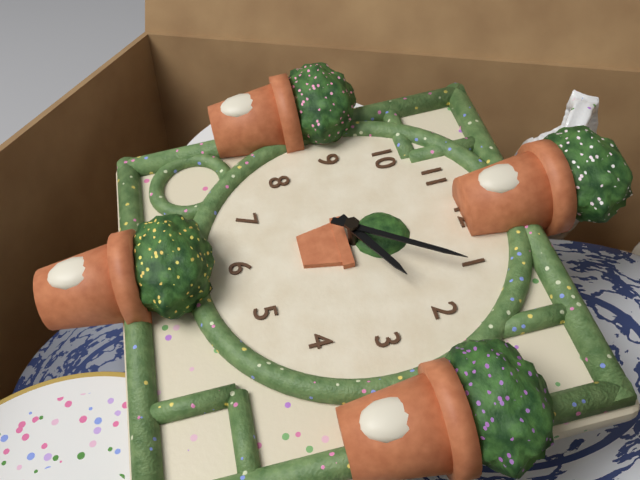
2:06
